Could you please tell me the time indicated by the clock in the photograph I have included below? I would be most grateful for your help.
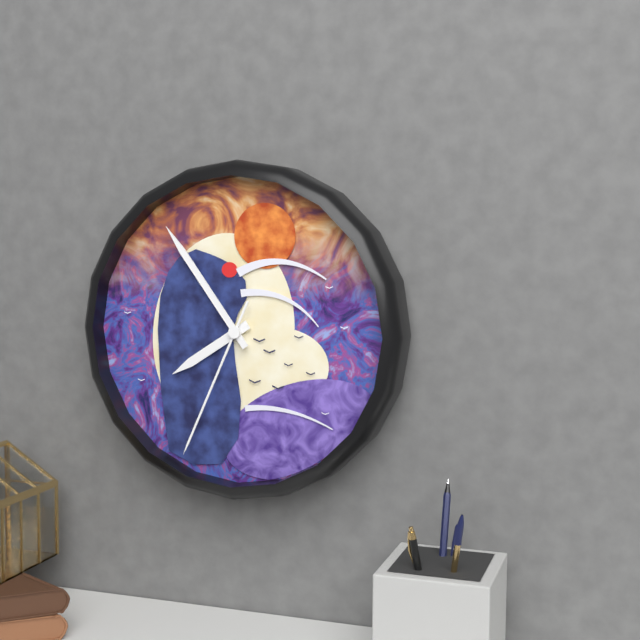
7:54:34
